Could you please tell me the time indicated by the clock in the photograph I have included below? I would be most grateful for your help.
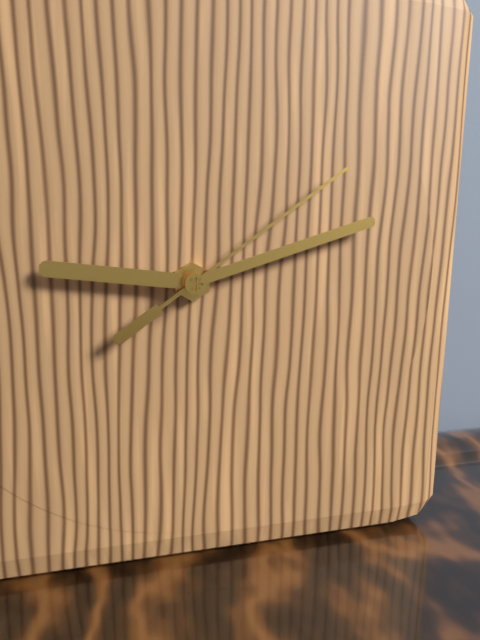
9:12:09
